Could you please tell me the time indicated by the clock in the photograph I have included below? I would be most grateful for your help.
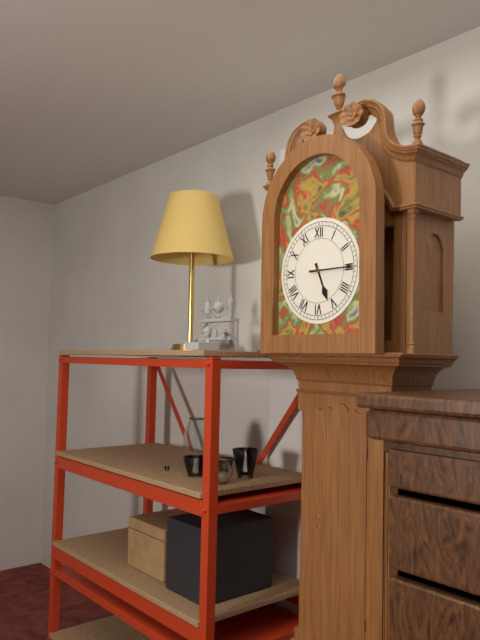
5:15
